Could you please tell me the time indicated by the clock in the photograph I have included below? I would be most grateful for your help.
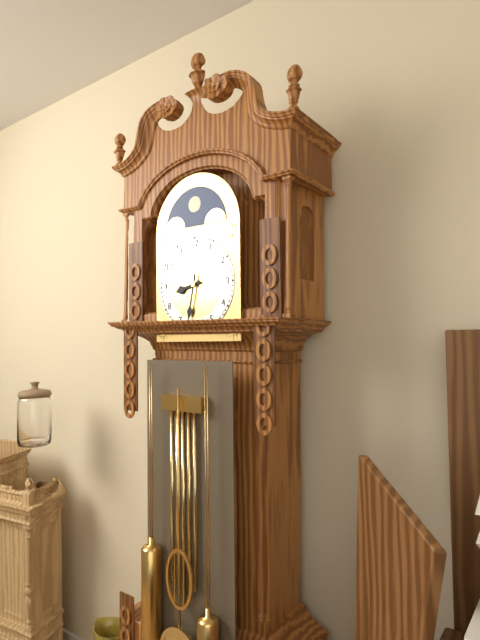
8:32
